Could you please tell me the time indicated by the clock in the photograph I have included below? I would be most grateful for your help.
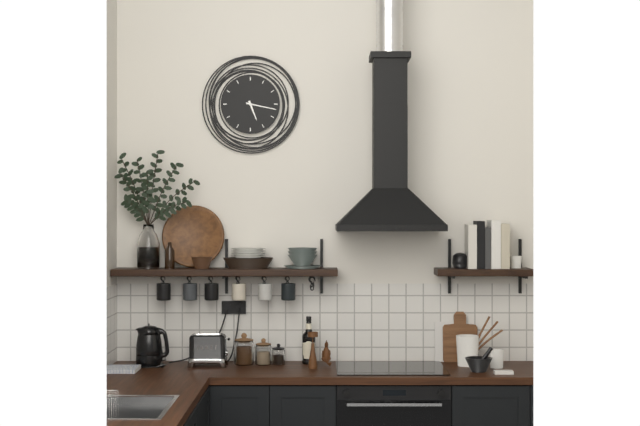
5:17
